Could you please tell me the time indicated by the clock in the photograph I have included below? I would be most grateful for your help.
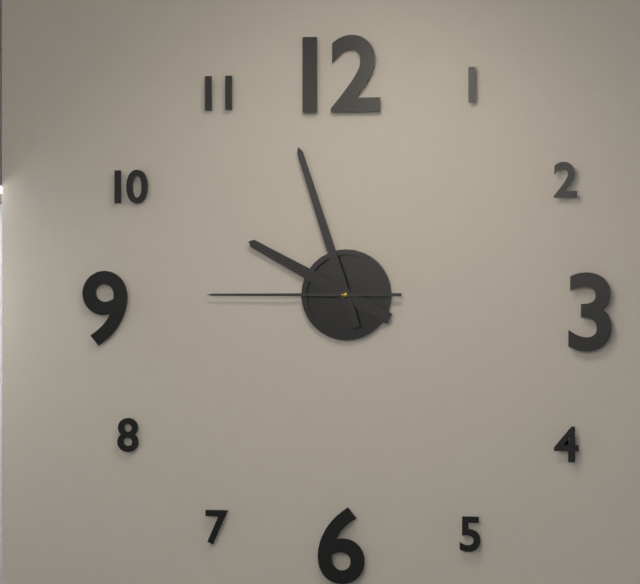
9:57:45
